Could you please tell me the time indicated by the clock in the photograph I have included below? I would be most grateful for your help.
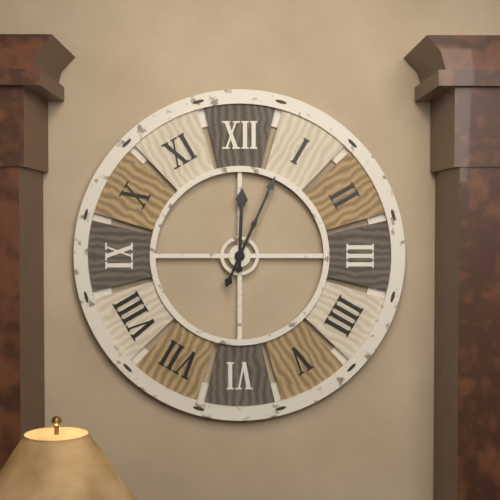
12:04
